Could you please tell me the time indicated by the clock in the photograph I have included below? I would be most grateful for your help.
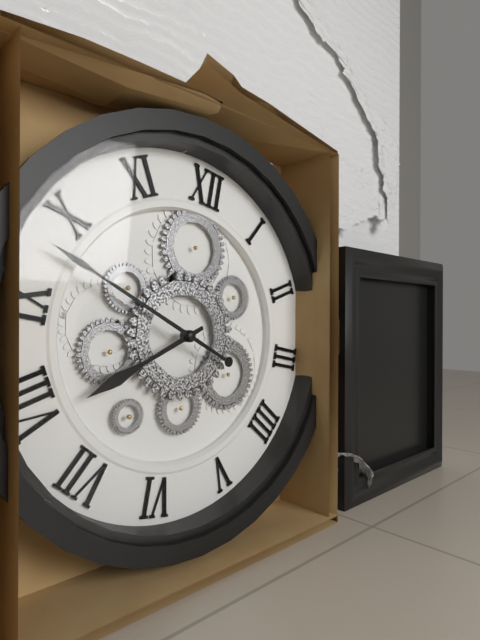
7:48
